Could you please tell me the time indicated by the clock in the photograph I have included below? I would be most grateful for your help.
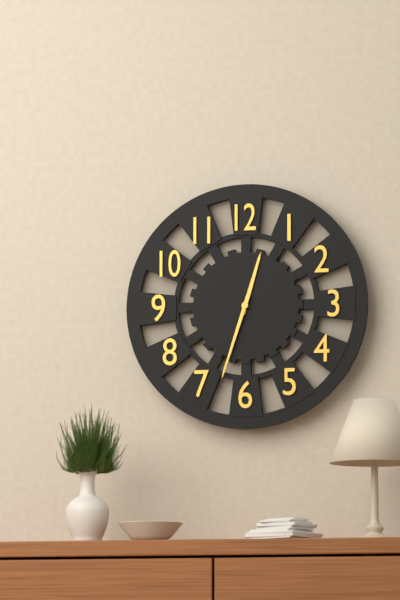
12:33
